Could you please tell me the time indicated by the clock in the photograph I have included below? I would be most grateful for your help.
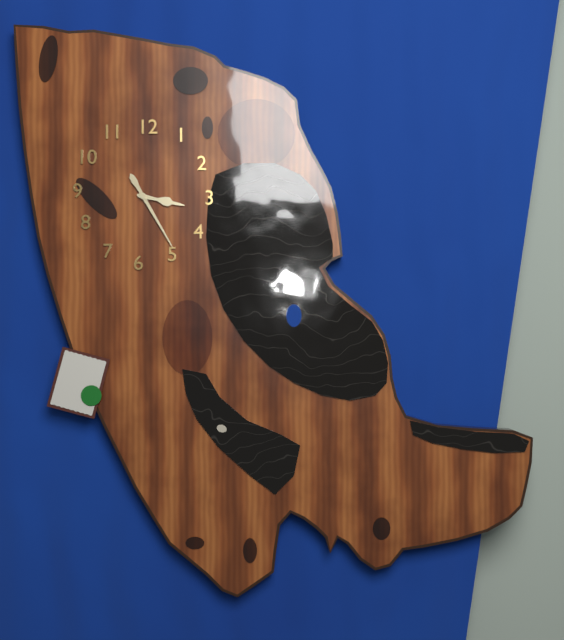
3:25
